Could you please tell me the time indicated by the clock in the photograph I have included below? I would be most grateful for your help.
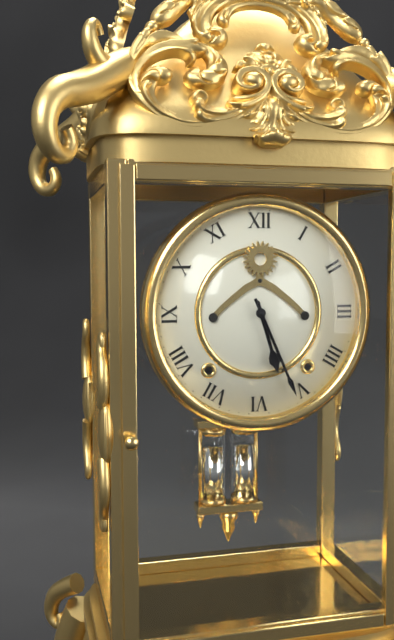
5:26
